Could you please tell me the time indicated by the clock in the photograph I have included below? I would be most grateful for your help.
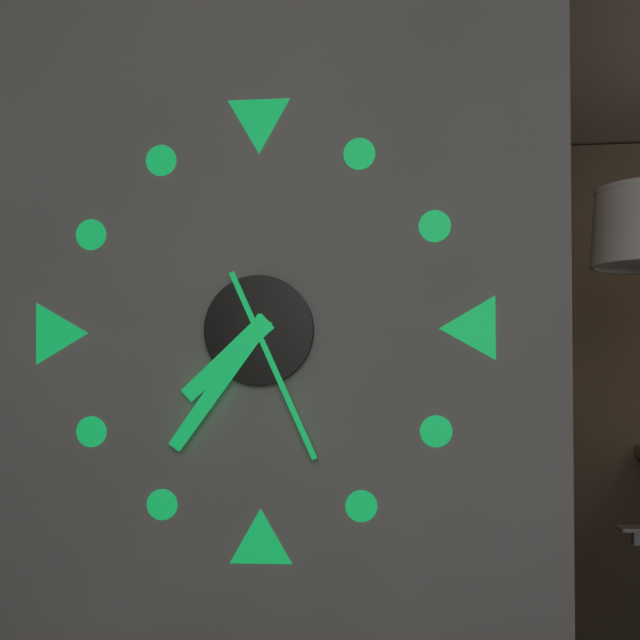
7:36:26
